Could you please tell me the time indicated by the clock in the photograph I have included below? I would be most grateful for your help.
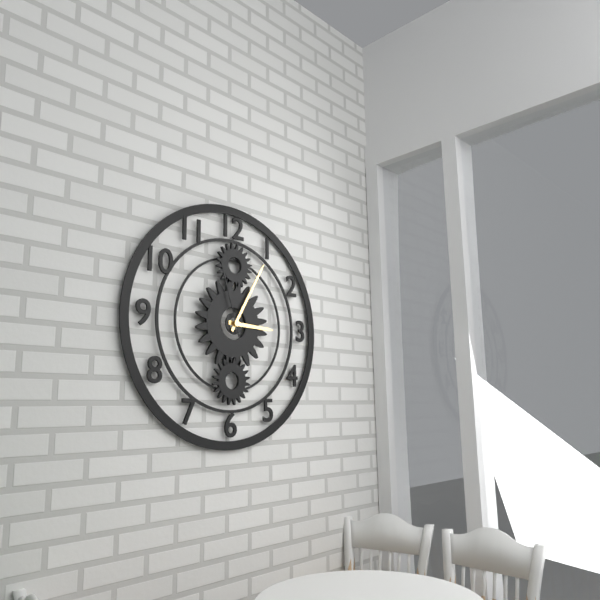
3:05:57
